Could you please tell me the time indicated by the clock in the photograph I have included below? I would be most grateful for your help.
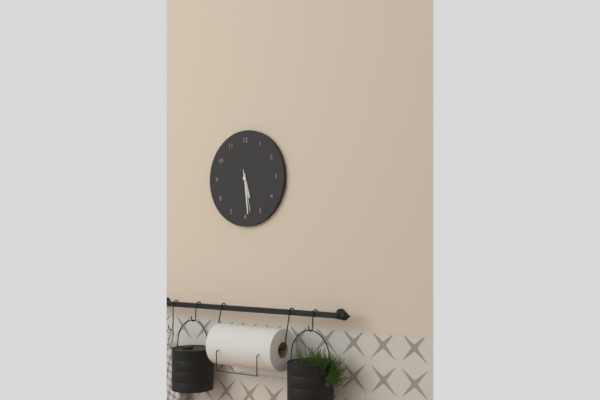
5:29
